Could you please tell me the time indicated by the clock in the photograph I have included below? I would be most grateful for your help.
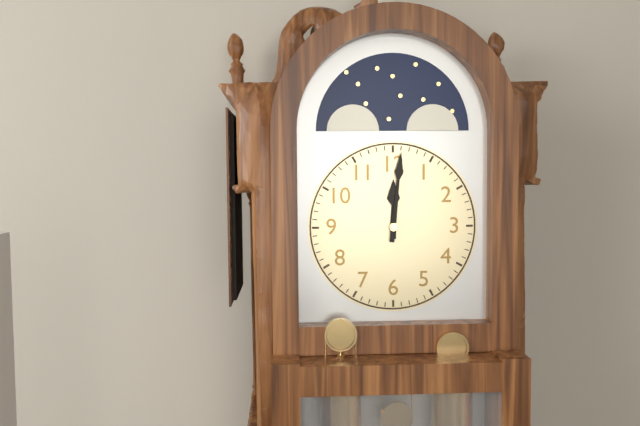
12:01
